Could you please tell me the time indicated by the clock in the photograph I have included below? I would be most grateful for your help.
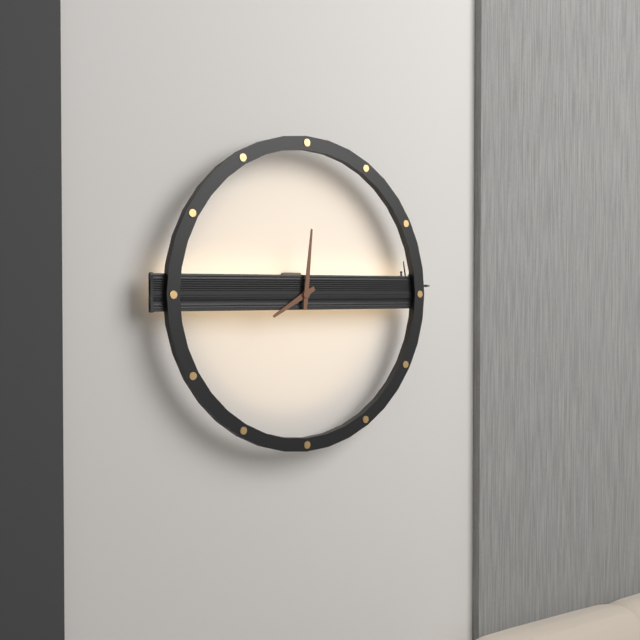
8:01
